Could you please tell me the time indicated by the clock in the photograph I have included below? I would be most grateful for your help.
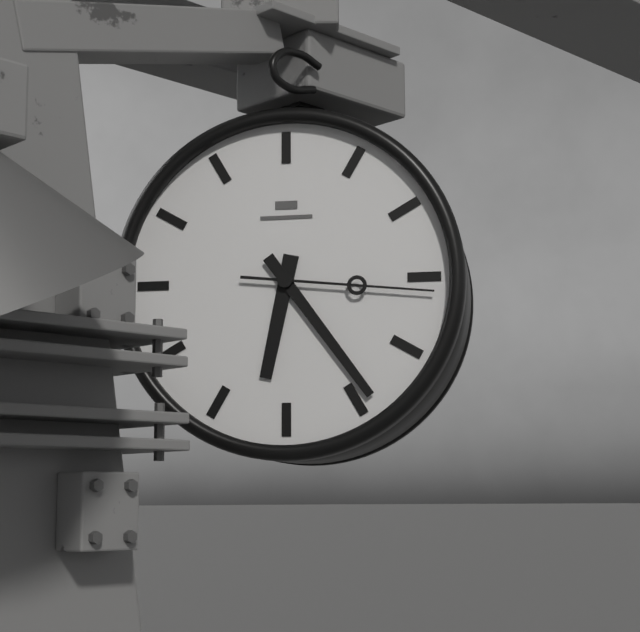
6:24:16
